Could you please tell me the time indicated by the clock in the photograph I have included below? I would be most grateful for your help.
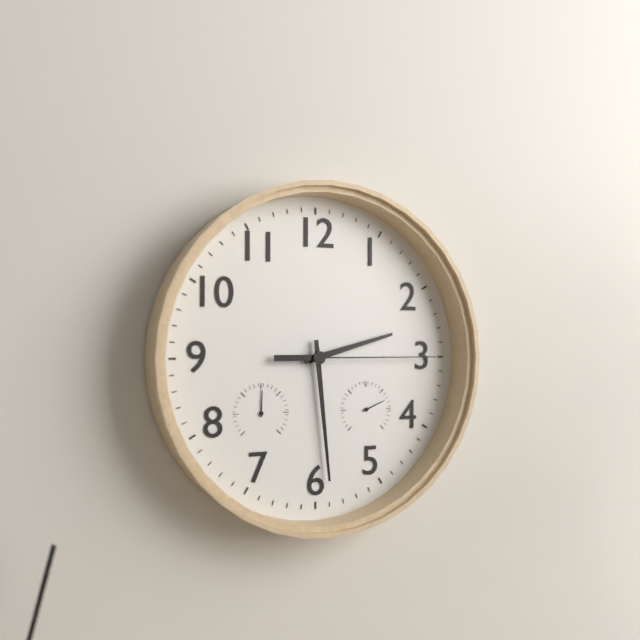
2:29:15
